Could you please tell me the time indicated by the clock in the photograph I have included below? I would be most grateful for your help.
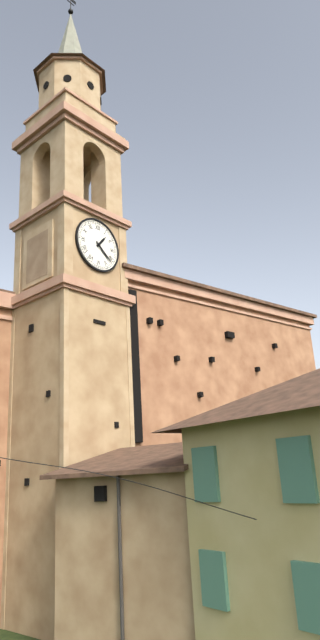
1:22
